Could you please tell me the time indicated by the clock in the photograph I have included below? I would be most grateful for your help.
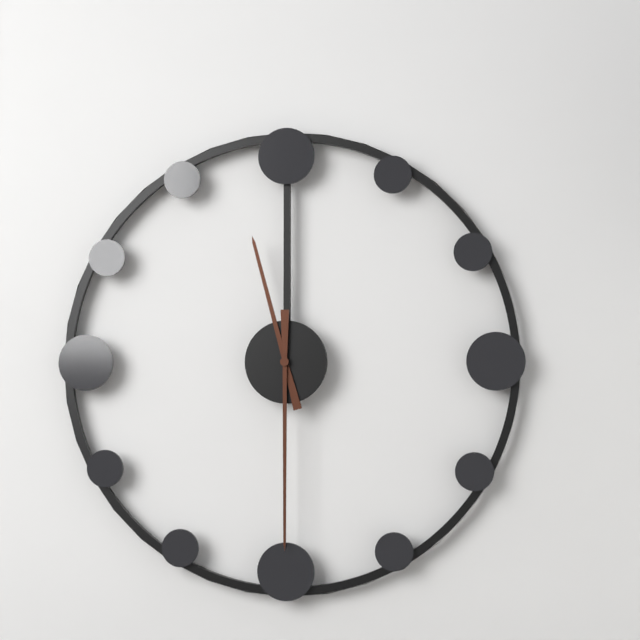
11:30
